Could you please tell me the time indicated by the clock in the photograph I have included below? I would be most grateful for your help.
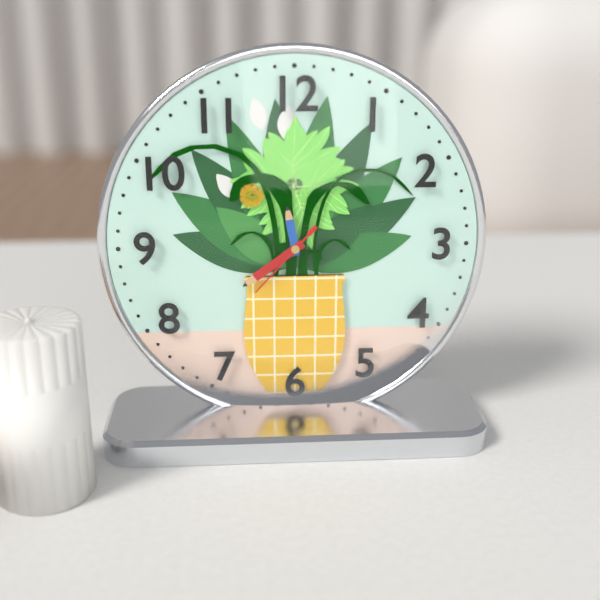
11:39:37
